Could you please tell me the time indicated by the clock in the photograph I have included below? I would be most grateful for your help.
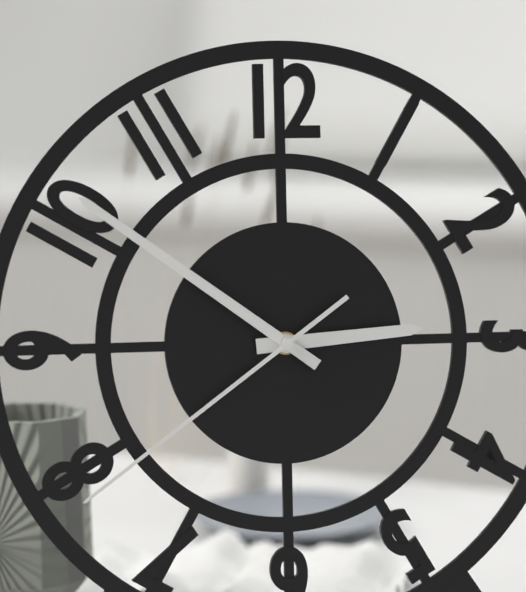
2:51:39
